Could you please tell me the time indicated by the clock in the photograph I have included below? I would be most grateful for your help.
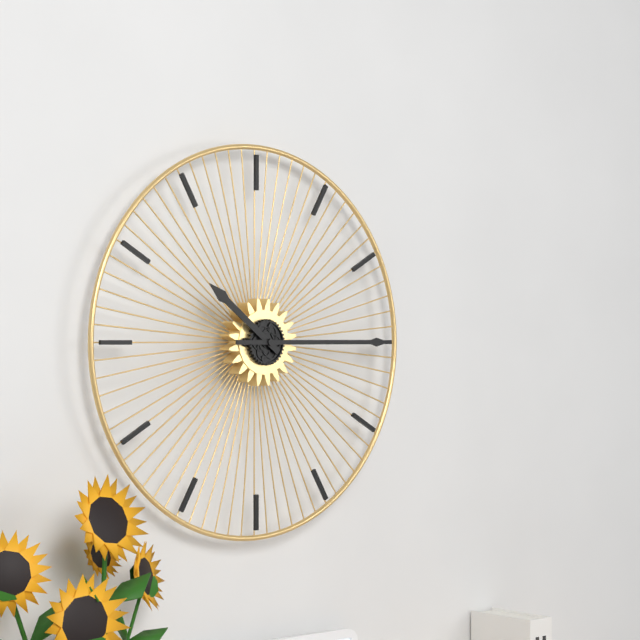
10:15
